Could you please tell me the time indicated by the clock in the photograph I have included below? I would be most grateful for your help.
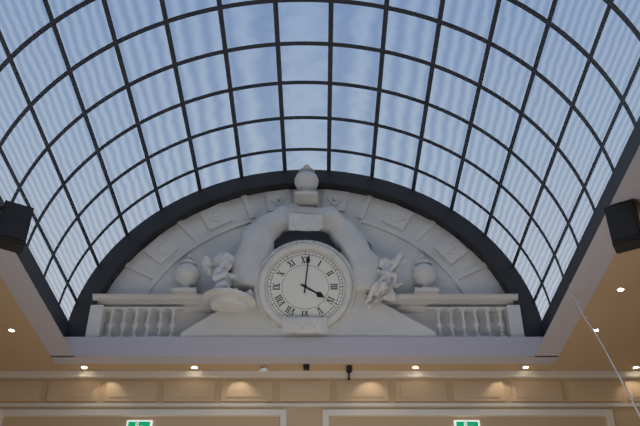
4:01
